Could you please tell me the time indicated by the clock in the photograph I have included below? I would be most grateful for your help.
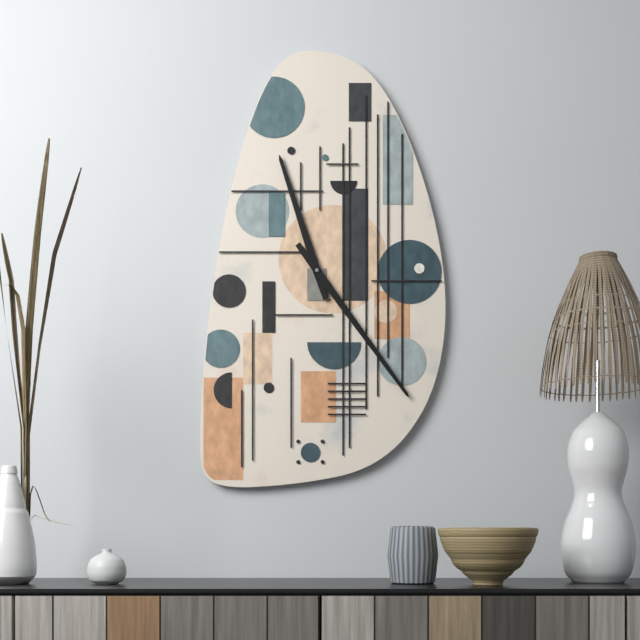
11:24
